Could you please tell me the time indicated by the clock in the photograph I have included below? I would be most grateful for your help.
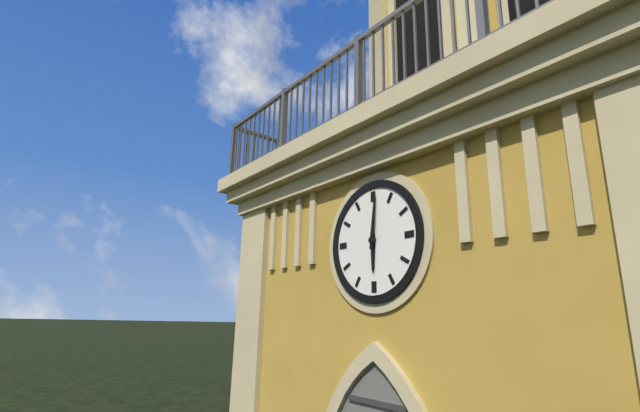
6:01
